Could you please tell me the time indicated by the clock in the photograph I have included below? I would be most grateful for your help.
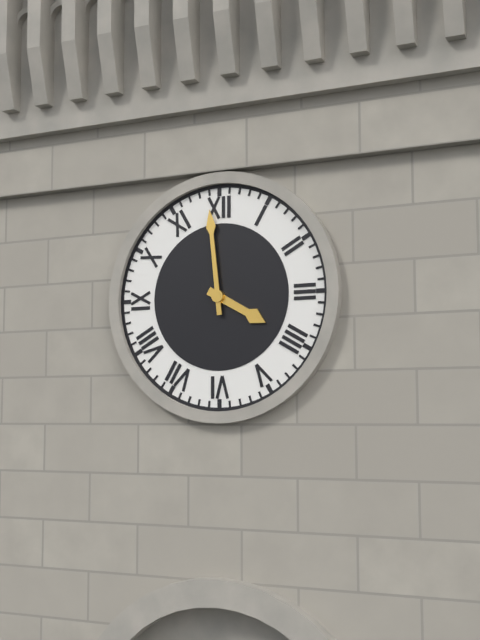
3:59
